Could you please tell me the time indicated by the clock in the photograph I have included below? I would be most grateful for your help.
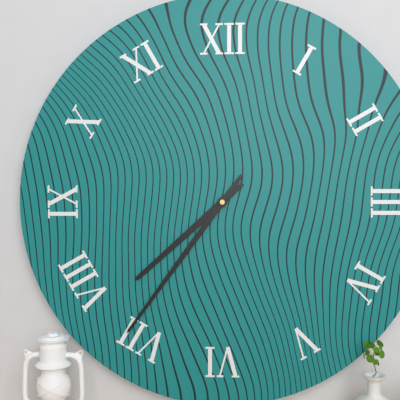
7:36
